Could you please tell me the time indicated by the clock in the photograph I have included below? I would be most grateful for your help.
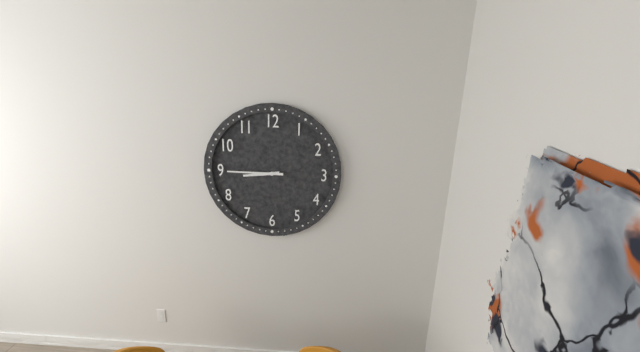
8:45
